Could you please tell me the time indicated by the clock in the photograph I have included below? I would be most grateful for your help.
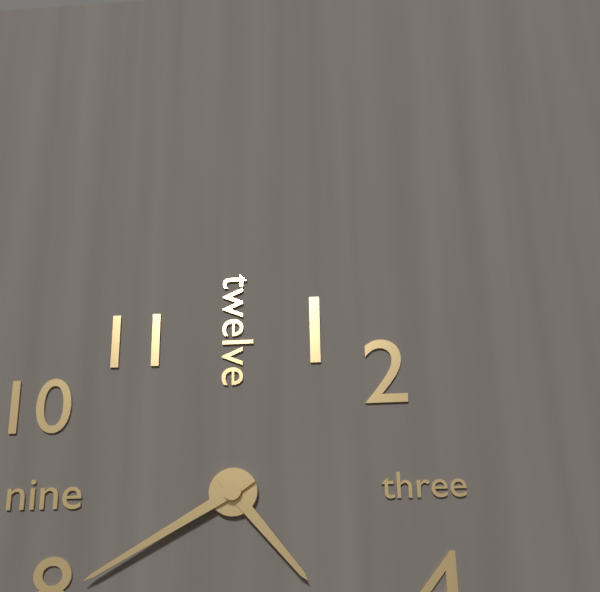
4:40
